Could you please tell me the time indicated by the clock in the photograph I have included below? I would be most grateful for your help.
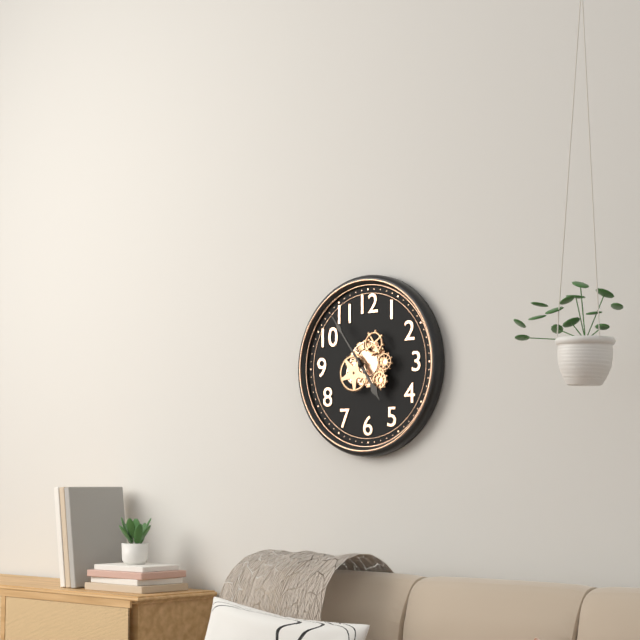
4:54
